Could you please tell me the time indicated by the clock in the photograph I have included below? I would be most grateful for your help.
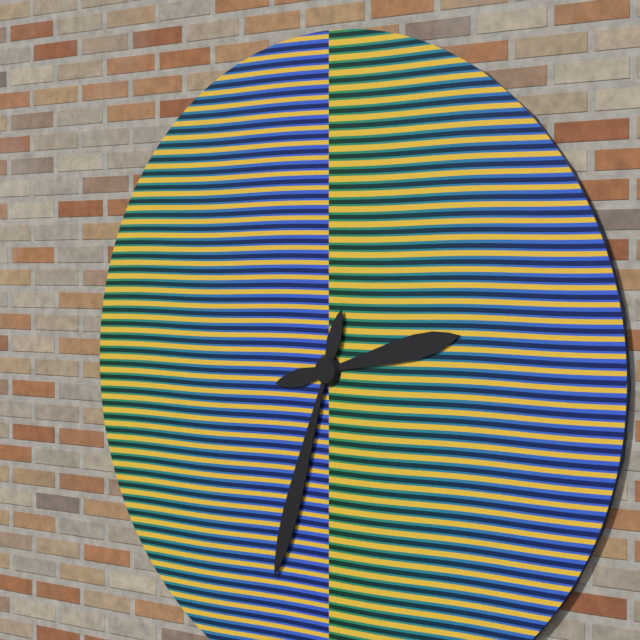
2:33
